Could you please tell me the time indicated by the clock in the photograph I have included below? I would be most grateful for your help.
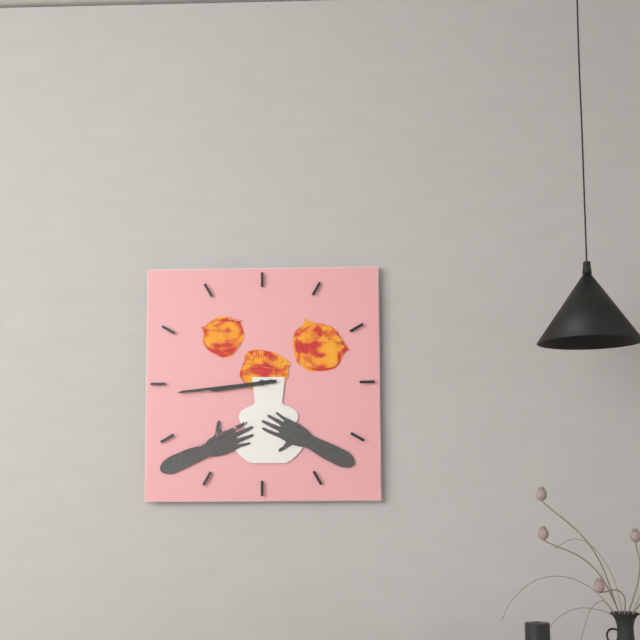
8:44
